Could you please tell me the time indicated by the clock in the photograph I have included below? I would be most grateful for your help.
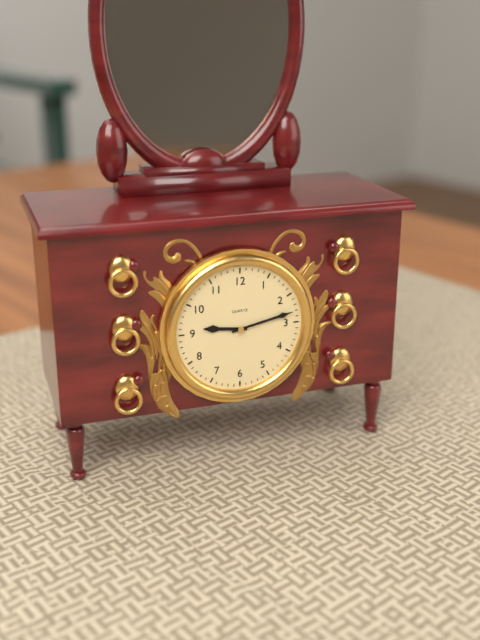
9:13
